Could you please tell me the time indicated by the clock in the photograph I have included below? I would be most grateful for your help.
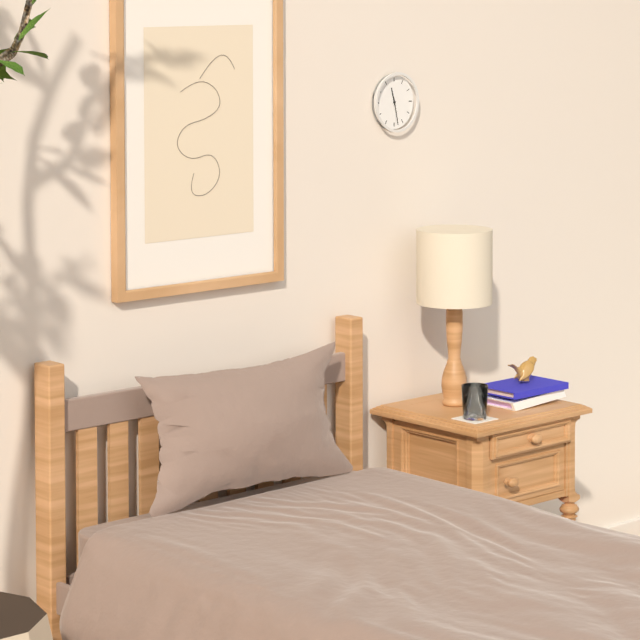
11:28
